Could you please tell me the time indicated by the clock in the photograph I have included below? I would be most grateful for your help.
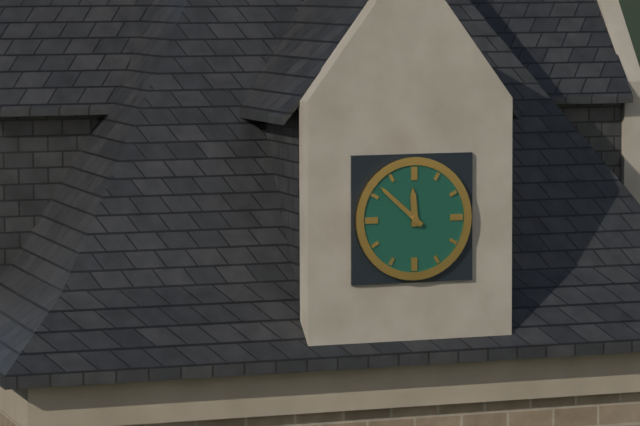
11:52
